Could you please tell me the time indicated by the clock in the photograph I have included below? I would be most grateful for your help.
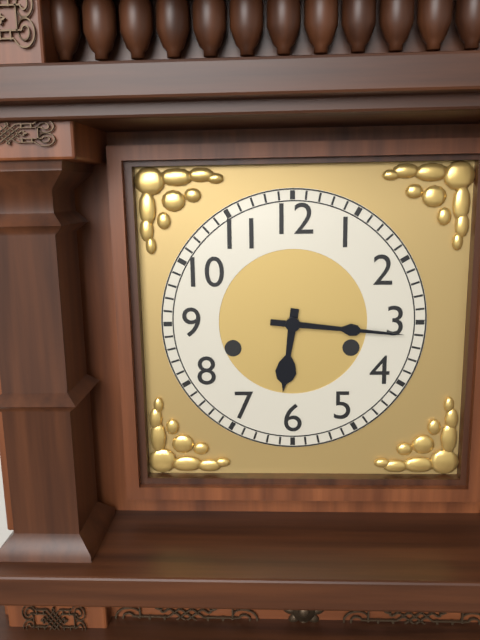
6:16
